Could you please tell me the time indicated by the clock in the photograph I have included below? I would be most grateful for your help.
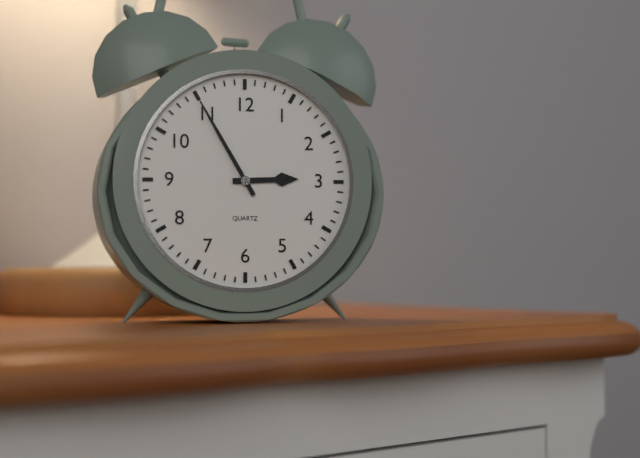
2:55
